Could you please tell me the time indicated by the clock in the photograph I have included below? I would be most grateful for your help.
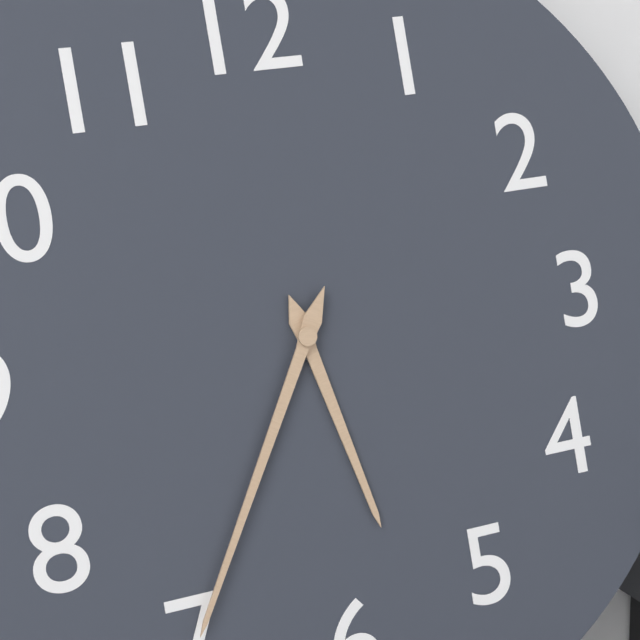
5:35
